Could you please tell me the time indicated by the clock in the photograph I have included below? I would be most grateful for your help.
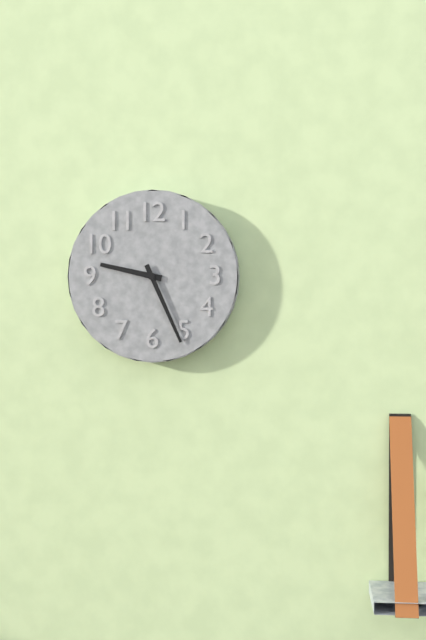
9:26
